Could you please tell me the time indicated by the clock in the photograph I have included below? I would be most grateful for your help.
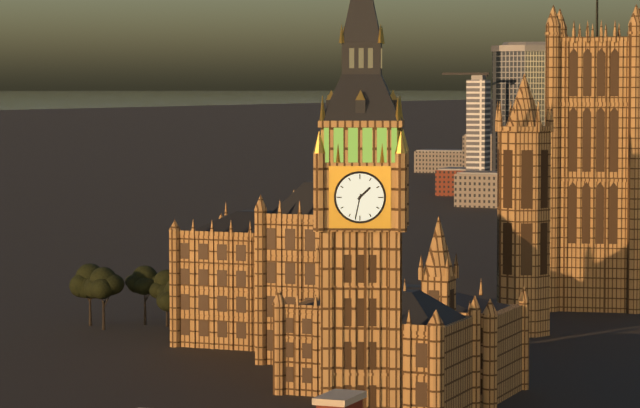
1:32
